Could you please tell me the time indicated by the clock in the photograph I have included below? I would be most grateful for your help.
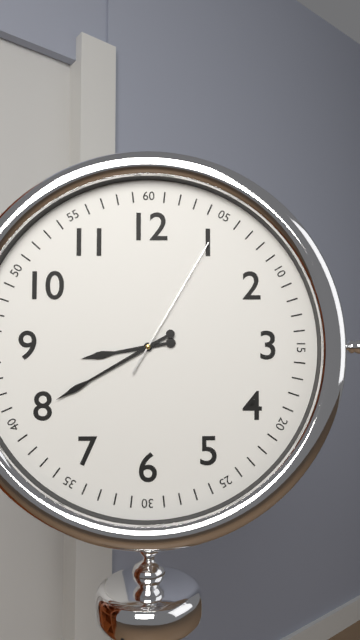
8:40:05
